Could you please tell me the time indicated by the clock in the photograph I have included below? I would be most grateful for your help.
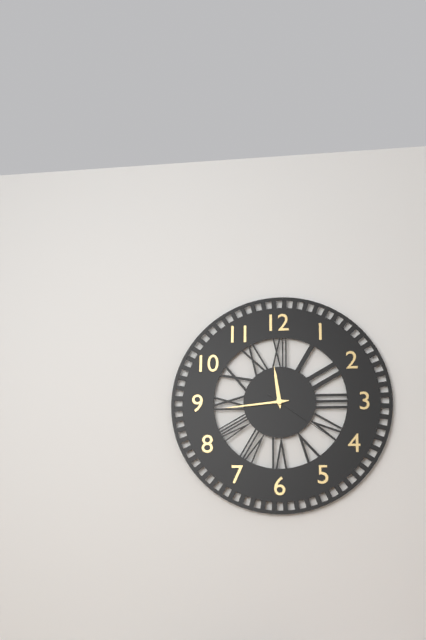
11:44:21
